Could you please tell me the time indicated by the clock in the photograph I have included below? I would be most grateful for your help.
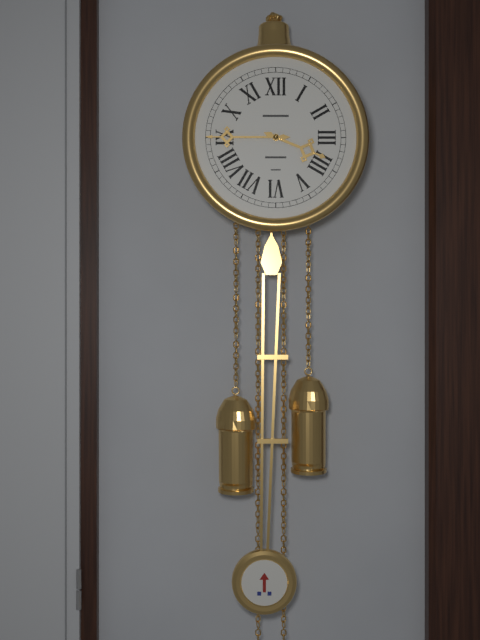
3:45
